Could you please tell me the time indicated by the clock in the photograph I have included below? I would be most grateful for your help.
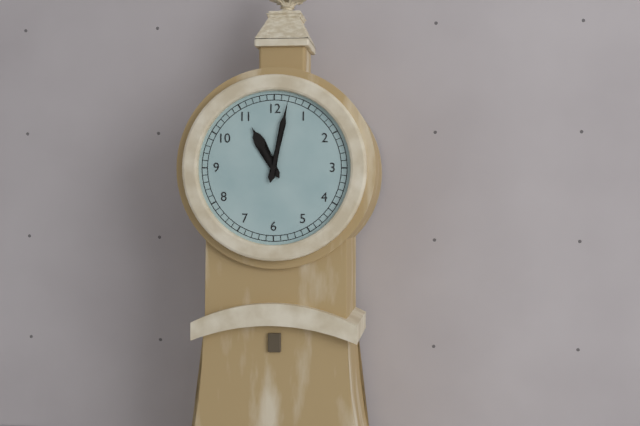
11:02
